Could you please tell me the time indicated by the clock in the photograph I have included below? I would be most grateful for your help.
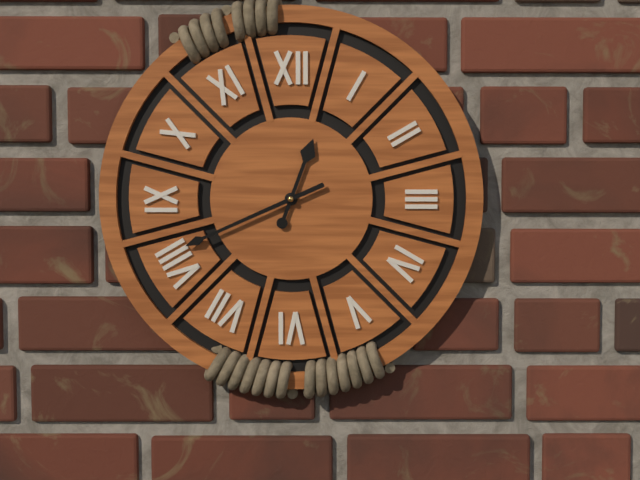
12:41
